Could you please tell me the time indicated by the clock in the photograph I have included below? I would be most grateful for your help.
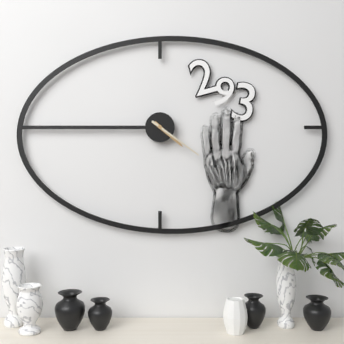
4:21
